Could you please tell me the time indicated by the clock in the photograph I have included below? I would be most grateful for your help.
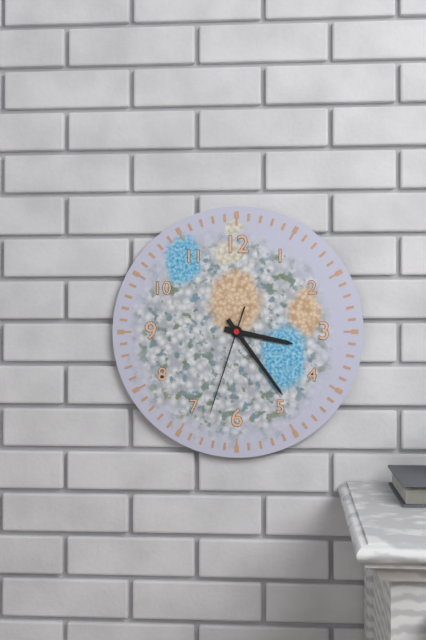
3:24:33
